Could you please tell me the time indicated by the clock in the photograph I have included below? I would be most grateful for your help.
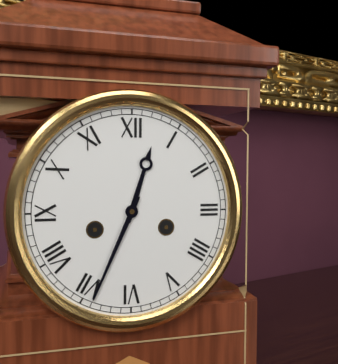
12:34
